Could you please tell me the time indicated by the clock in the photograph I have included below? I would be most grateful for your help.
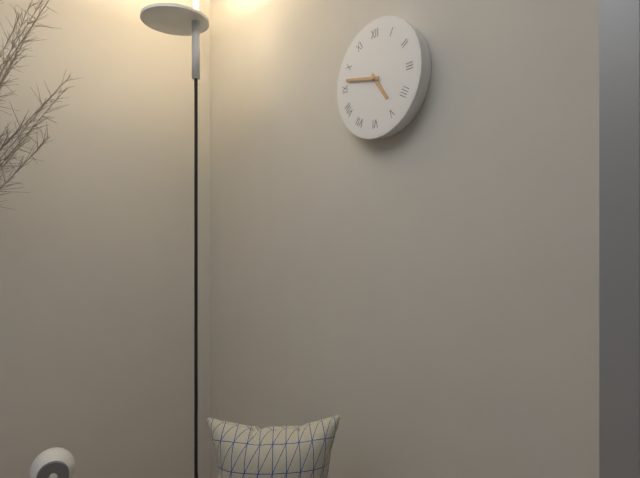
4:47
